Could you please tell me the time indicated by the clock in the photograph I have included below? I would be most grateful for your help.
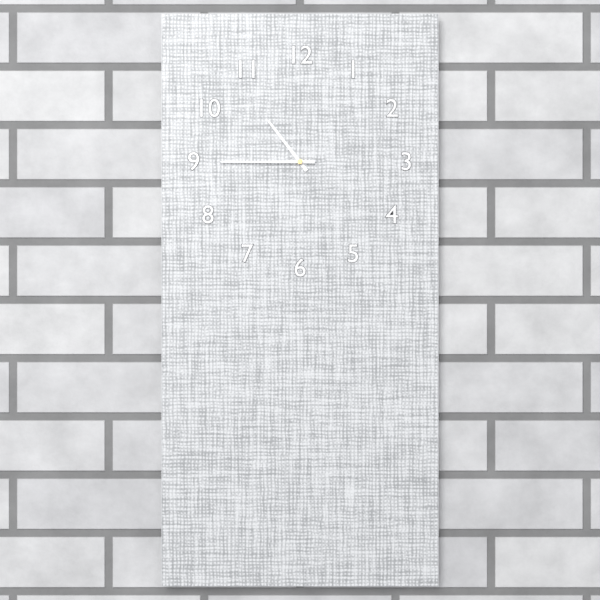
10:45
